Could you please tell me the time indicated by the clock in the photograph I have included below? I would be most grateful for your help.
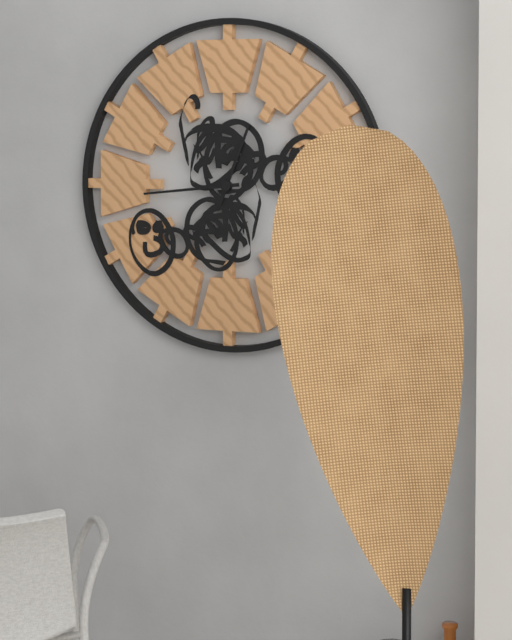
12:44
